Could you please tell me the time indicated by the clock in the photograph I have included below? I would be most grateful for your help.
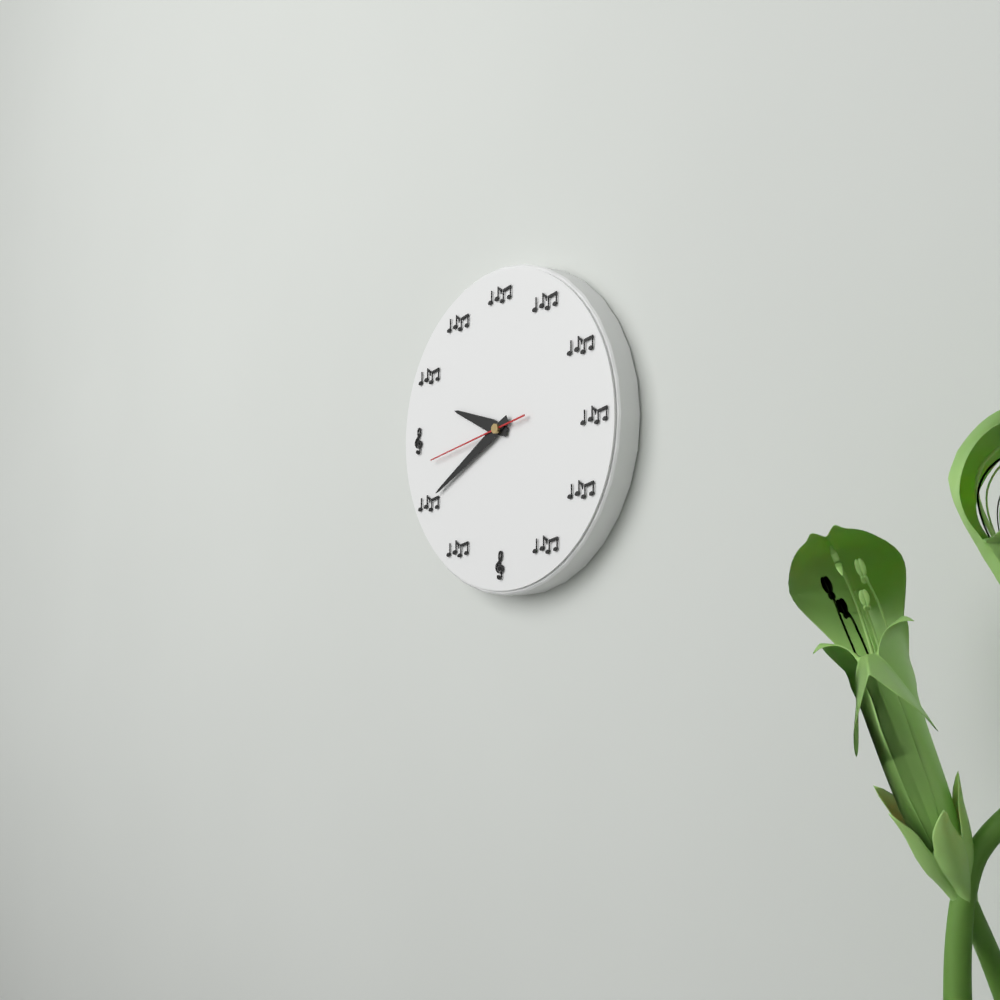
9:40:43
